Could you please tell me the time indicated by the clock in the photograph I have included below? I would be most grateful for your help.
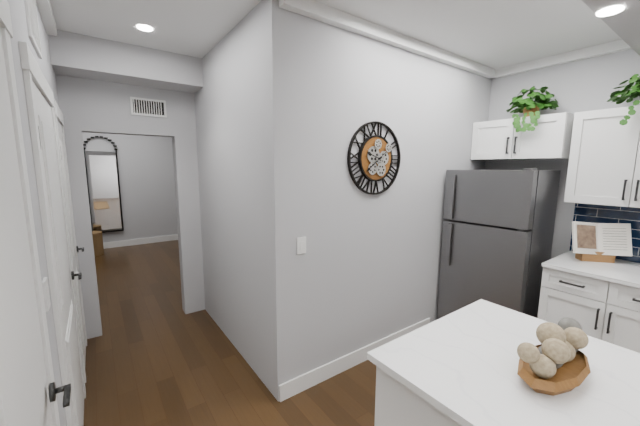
9:39
